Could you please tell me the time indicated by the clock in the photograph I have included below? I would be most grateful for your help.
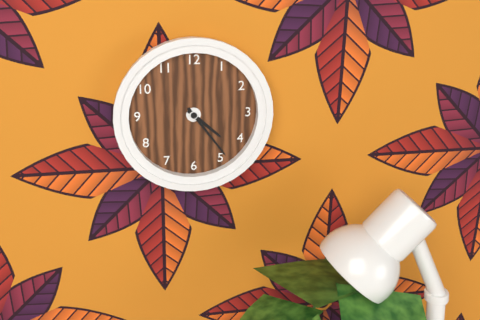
4:24
